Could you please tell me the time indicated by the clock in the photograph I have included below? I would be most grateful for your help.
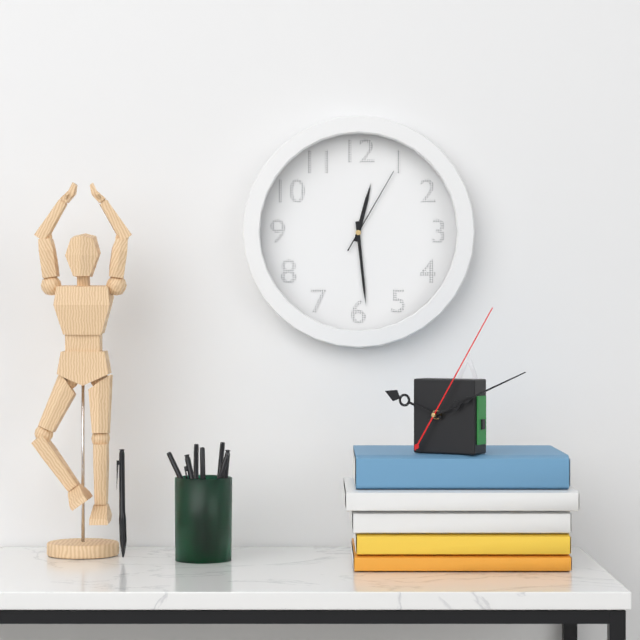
12:29:05
